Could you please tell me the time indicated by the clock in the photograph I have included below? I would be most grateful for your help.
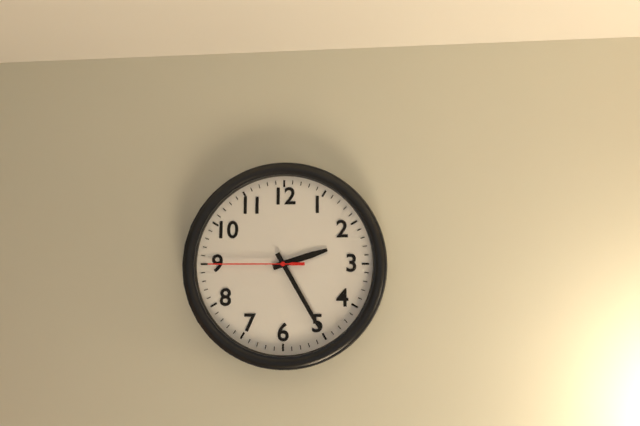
2:25:45
